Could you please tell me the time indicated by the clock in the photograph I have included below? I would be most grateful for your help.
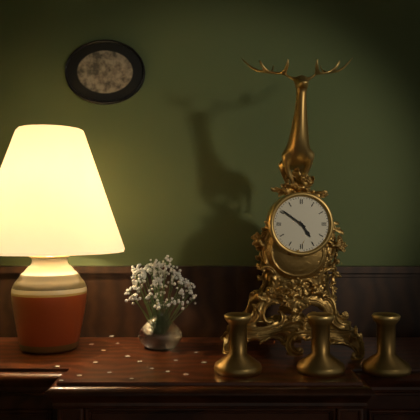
4:51
